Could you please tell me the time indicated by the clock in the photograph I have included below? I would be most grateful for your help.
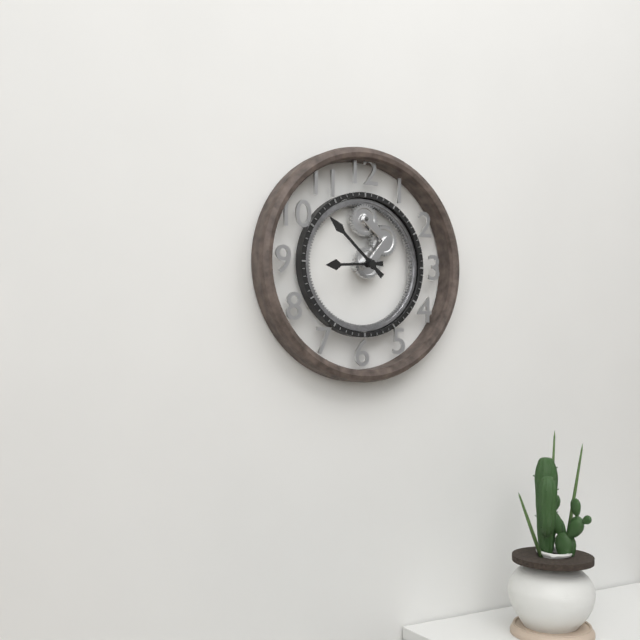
8:52
